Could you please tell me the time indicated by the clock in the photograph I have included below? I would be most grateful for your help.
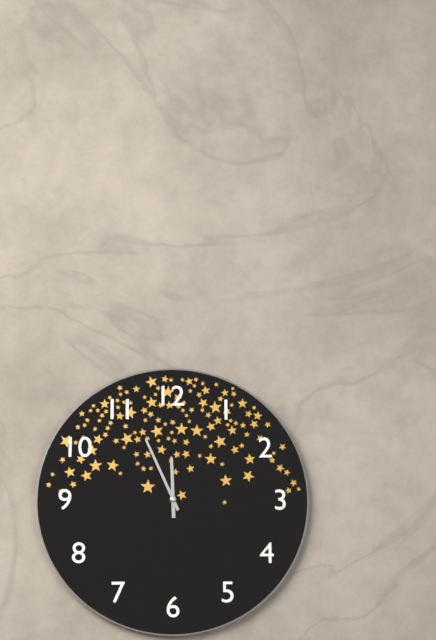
11:56
